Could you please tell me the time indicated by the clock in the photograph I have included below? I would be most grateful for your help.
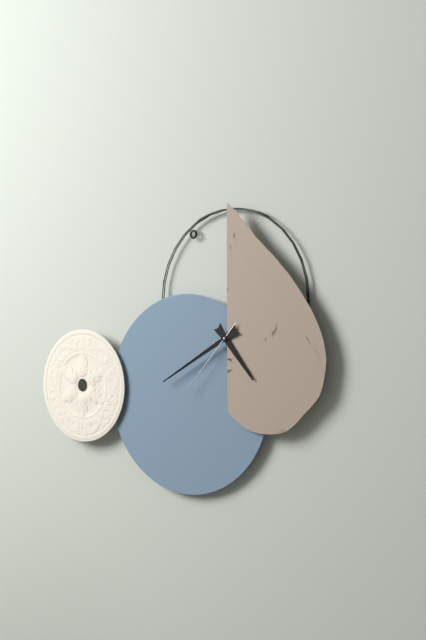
4:40:37
